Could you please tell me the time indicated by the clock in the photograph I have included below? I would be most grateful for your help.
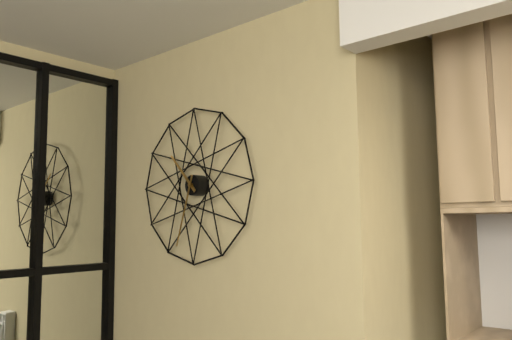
10:33
